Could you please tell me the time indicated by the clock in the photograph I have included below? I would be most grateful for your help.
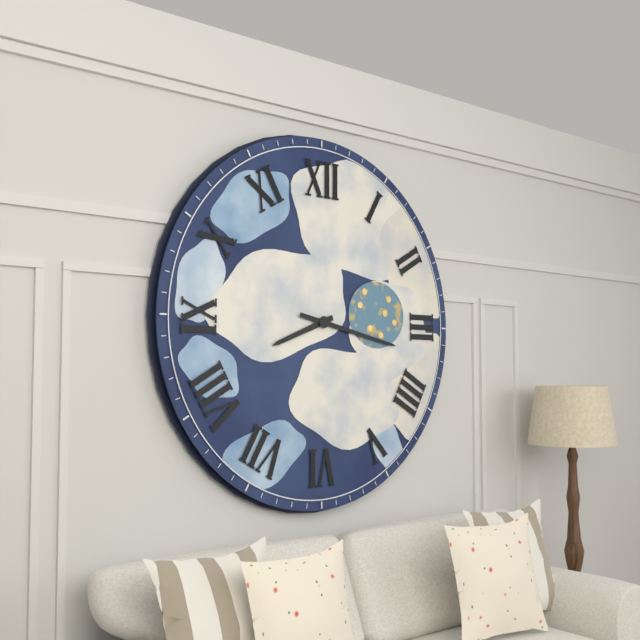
8:17
